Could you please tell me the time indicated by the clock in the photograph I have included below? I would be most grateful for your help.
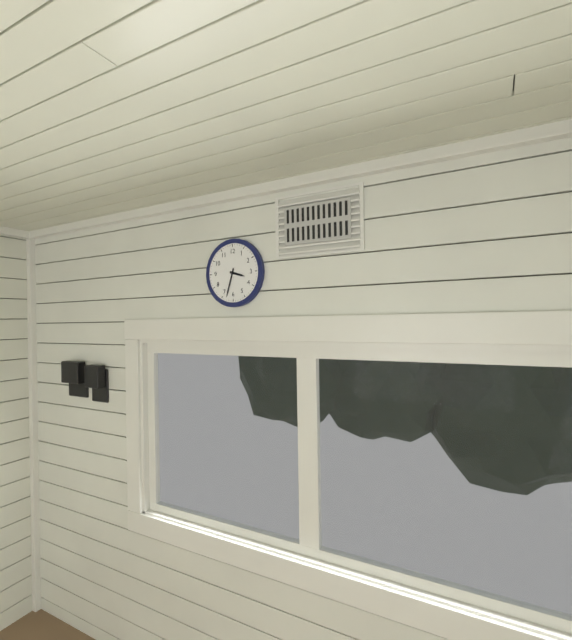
3:33
